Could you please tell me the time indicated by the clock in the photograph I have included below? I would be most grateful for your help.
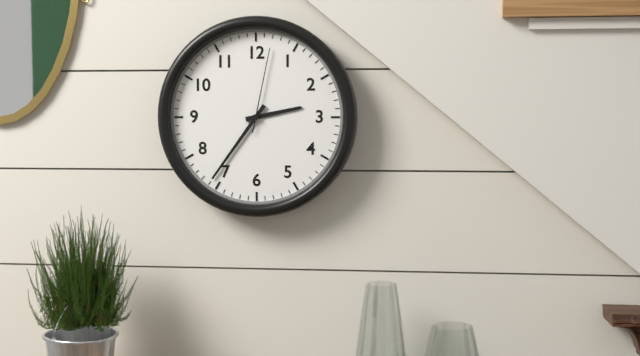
2:36:02
